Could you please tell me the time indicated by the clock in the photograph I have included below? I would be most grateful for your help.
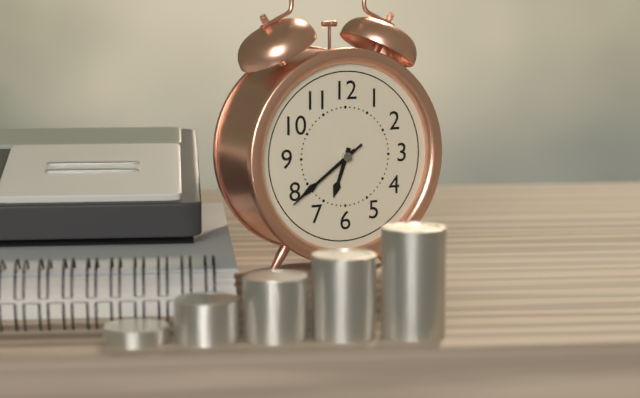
6:39:39
